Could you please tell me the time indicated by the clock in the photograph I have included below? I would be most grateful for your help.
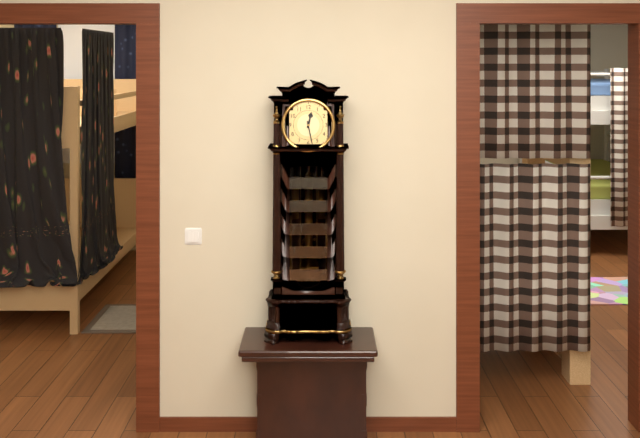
12:28
